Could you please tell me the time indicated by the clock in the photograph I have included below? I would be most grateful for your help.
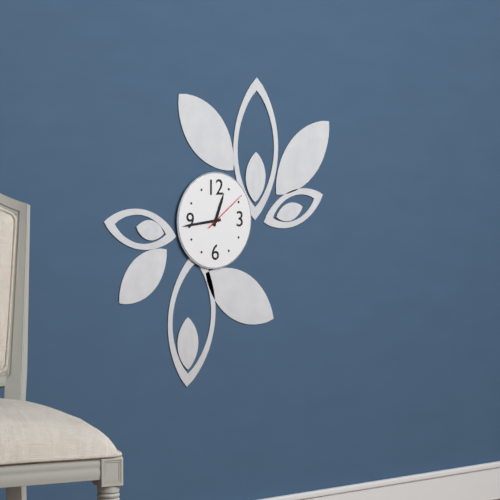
12:44
